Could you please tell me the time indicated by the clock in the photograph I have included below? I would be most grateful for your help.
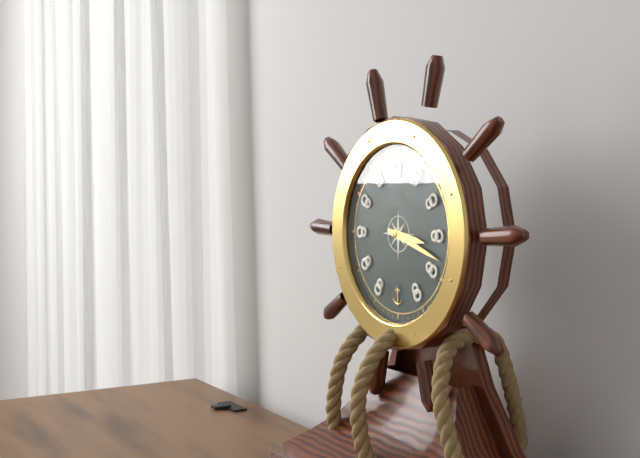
3:18
